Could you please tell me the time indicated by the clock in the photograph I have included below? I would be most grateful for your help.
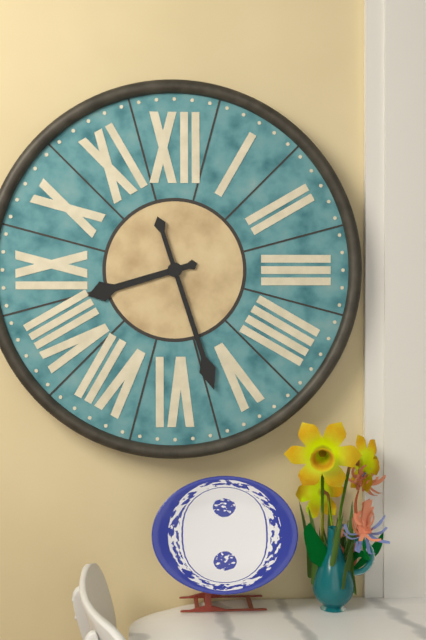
8:27
